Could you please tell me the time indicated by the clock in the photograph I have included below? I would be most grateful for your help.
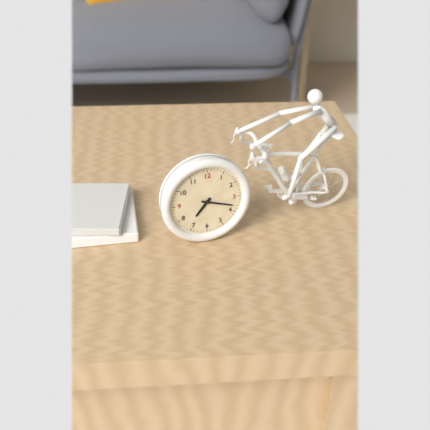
7:18
